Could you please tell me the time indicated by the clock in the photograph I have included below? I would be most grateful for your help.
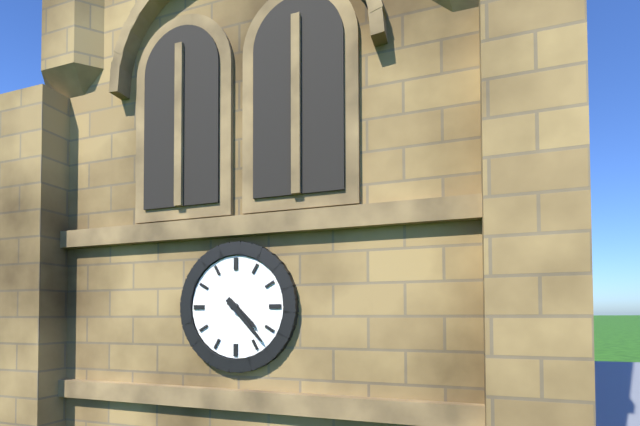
4:23
